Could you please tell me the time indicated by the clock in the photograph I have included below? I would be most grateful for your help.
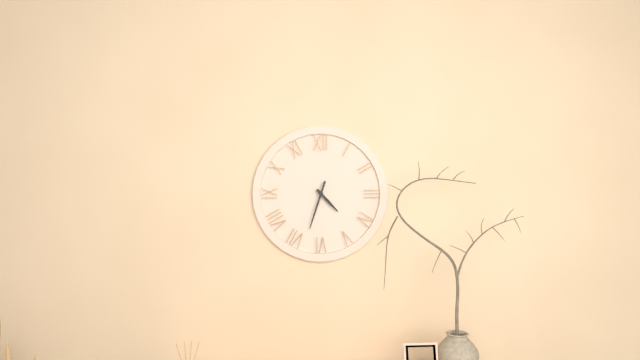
4:33
